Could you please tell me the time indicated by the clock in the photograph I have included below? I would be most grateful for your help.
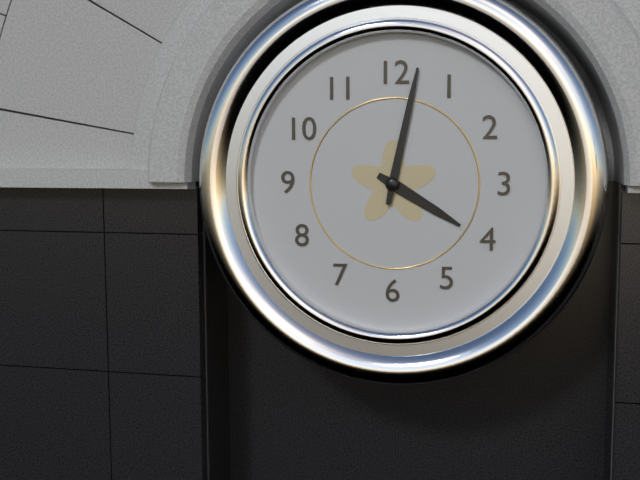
4:02
